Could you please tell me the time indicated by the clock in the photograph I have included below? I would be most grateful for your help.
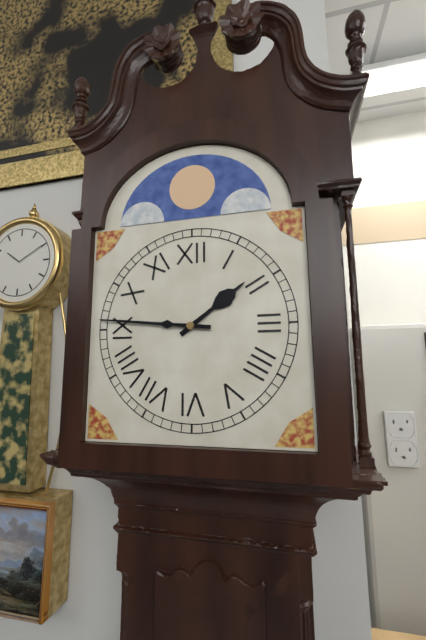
1:46
